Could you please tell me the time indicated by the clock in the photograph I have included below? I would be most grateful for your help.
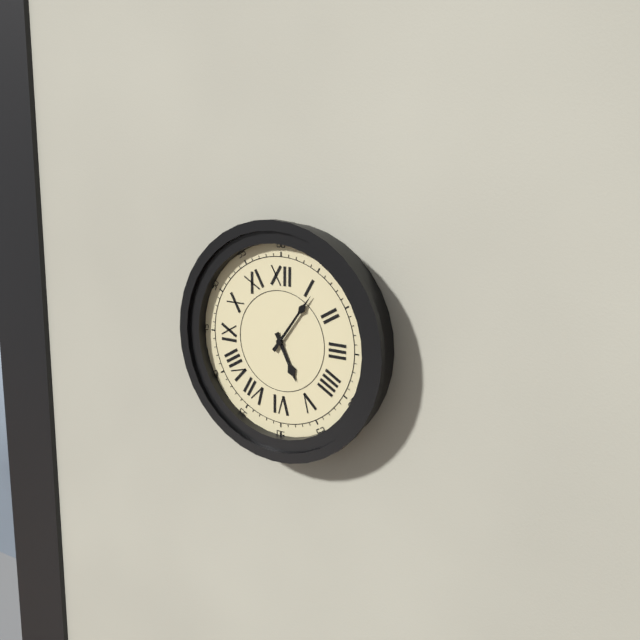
5:06
